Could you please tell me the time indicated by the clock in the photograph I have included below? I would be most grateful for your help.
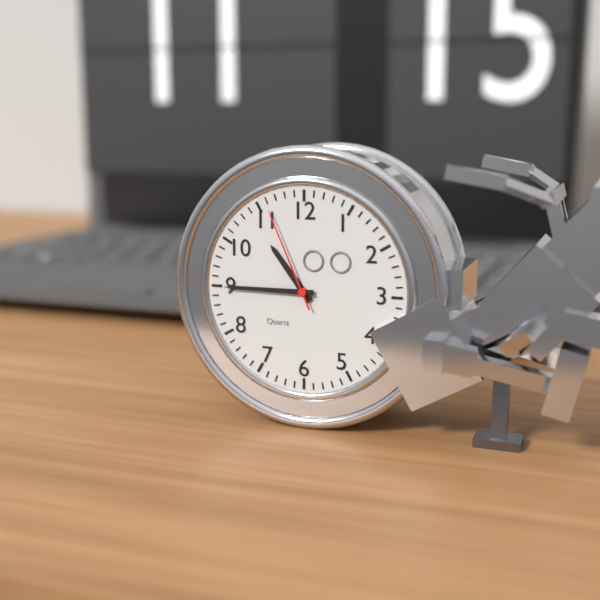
10:45:56
